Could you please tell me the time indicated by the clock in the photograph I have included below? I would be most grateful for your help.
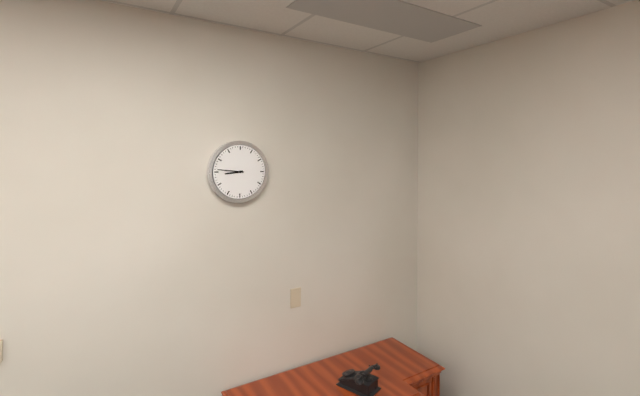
8:46
